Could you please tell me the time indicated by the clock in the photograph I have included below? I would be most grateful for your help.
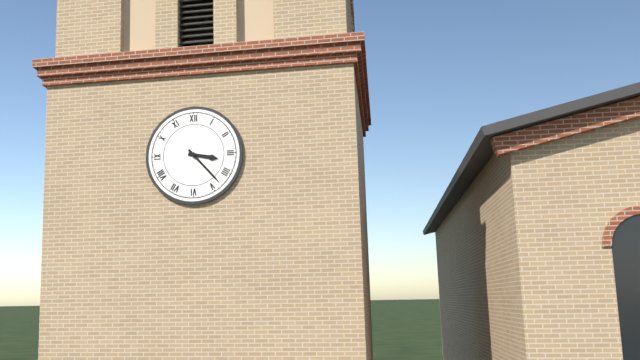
3:23
